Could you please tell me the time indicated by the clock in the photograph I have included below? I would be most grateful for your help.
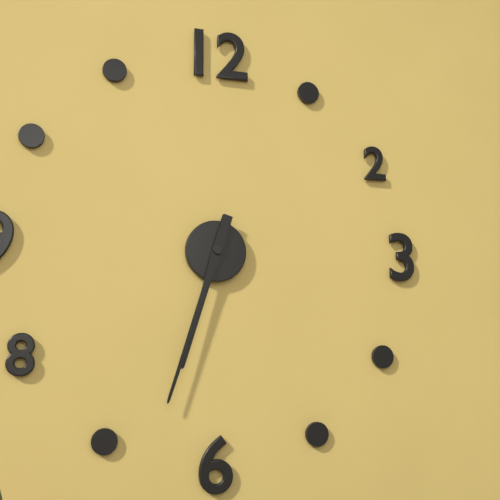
6:33
